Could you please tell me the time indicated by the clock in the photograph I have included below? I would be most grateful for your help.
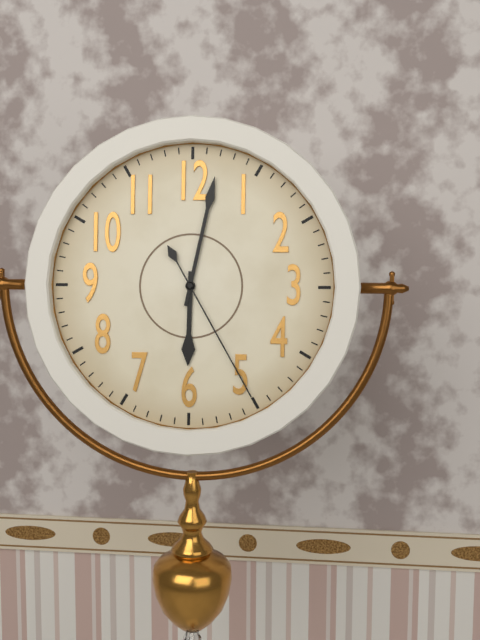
6:02:25
